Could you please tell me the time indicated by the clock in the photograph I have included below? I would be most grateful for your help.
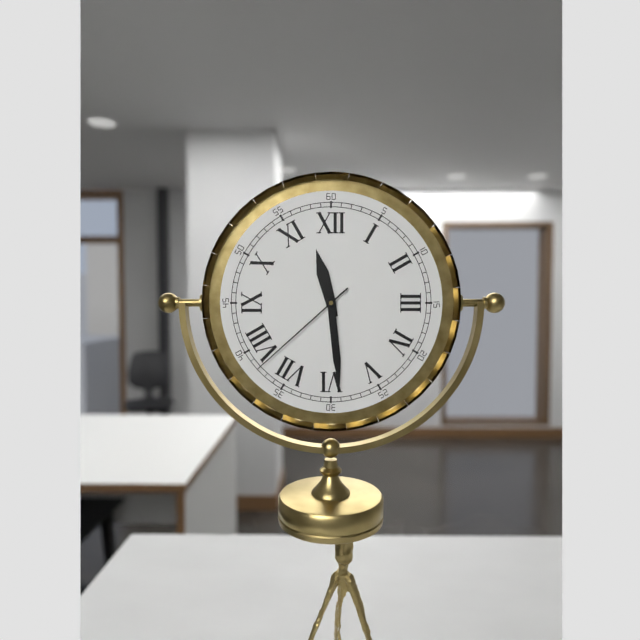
11:29:38
